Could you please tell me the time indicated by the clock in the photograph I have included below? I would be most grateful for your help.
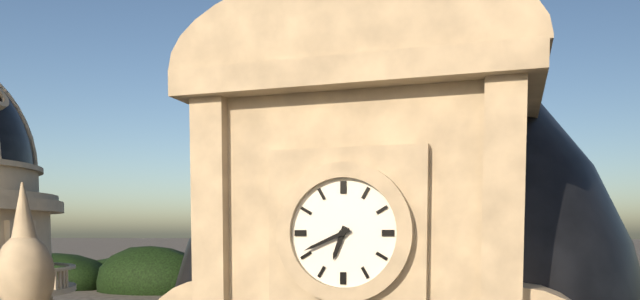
6:41
